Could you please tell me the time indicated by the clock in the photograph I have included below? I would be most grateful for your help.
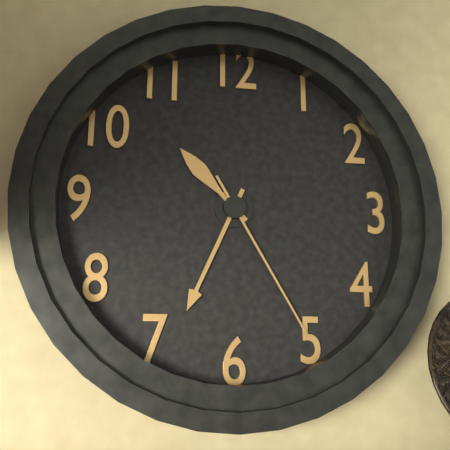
10:34:25
